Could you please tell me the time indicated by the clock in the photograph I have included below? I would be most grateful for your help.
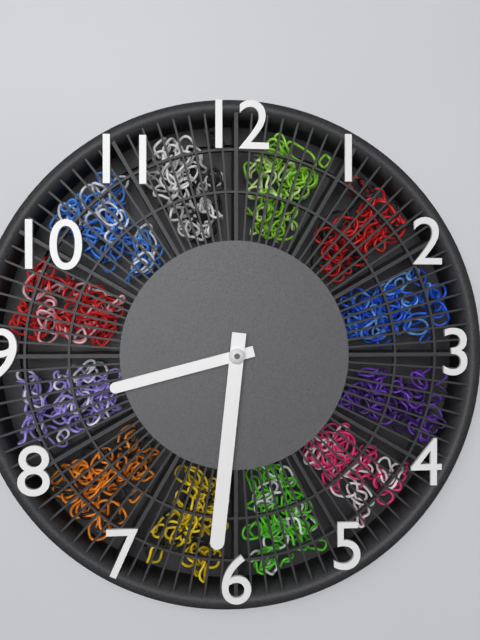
8:31
